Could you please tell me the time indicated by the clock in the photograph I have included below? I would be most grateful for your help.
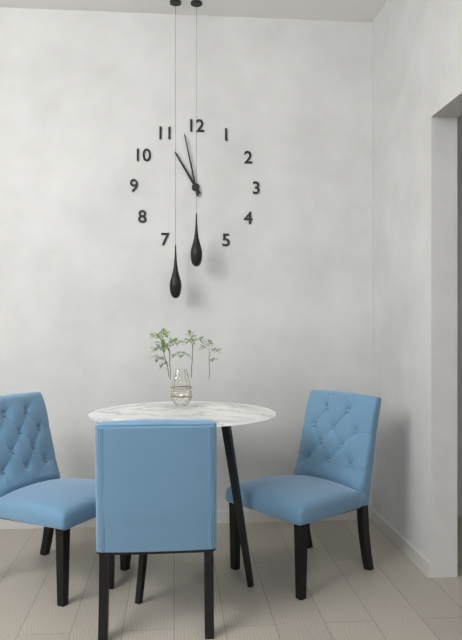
10:58
